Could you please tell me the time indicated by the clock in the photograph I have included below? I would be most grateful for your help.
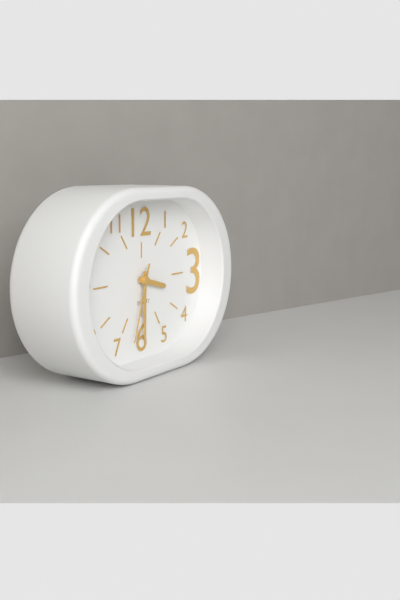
3:30:33
